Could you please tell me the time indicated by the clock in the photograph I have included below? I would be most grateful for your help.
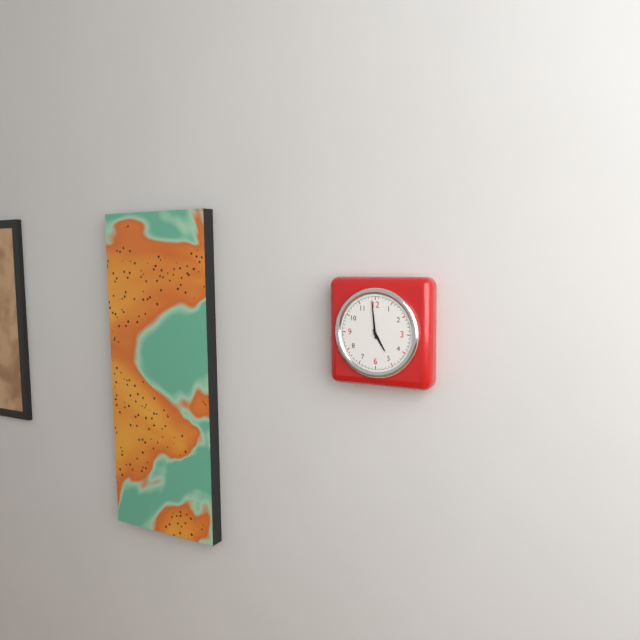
4:59
